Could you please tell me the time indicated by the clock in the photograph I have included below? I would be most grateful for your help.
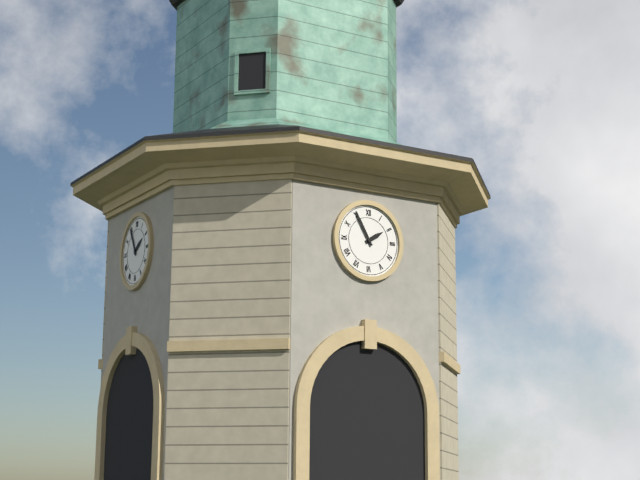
1:55
